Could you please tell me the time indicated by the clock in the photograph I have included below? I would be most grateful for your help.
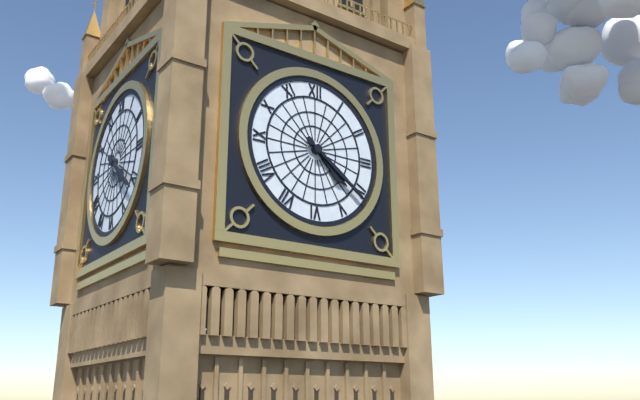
4:21
